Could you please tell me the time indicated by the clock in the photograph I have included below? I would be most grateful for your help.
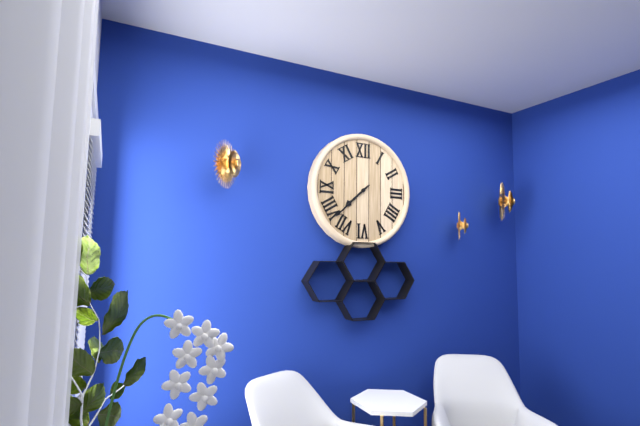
7:38
